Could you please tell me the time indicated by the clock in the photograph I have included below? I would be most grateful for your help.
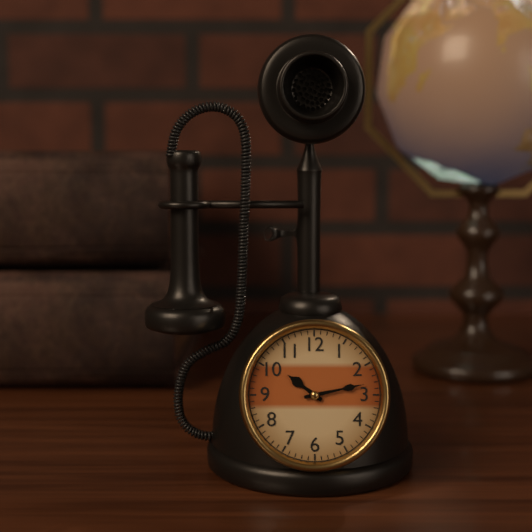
10:13
